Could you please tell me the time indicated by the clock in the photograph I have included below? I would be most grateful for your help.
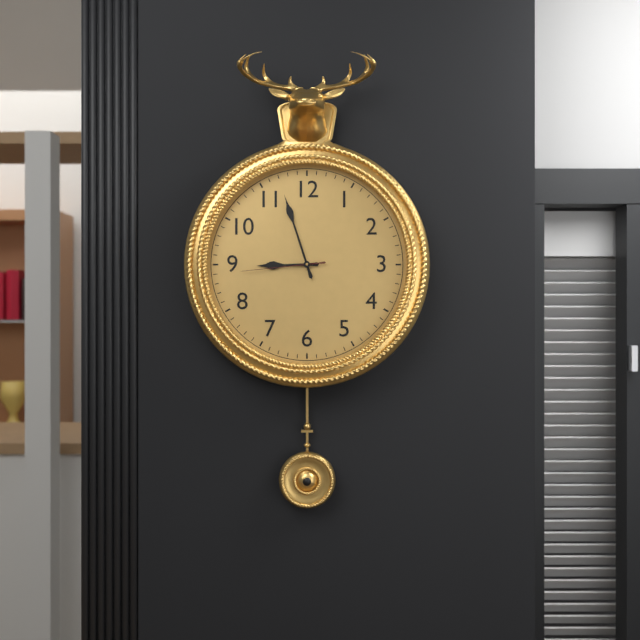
8:57:44
